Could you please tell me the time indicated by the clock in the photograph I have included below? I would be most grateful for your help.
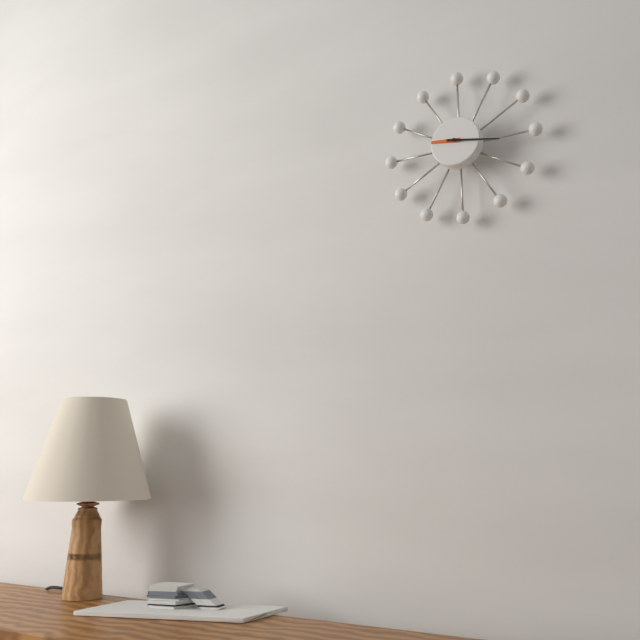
9:17
